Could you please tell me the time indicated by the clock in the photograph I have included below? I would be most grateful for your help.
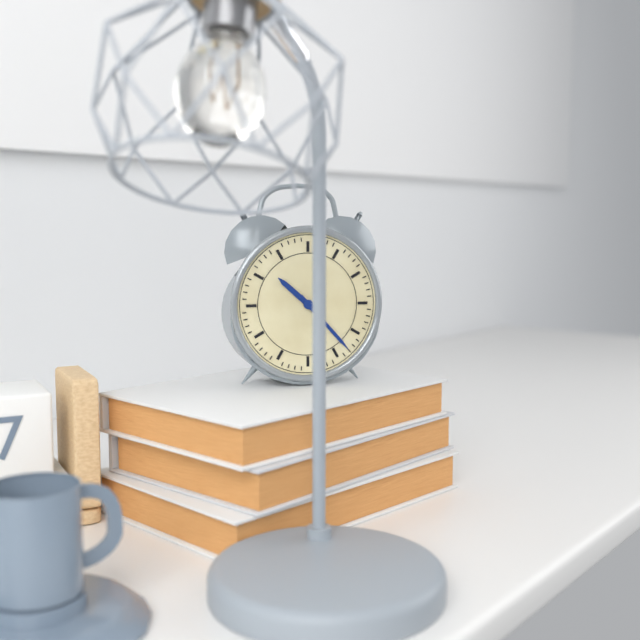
10:23
